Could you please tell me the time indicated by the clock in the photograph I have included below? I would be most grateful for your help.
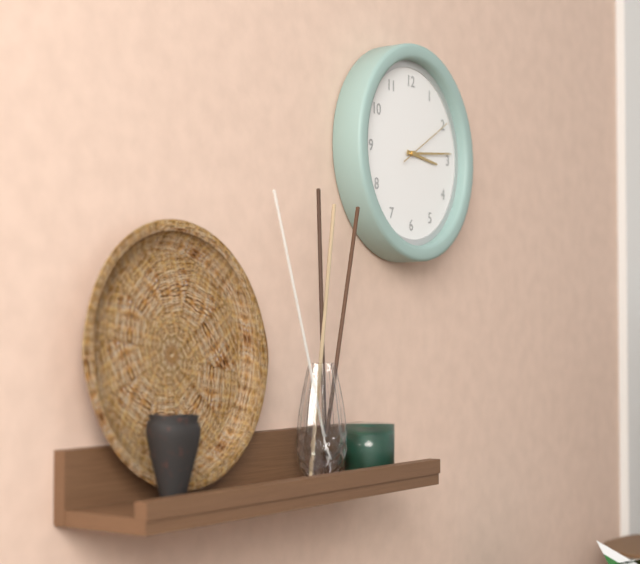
3:14:10
